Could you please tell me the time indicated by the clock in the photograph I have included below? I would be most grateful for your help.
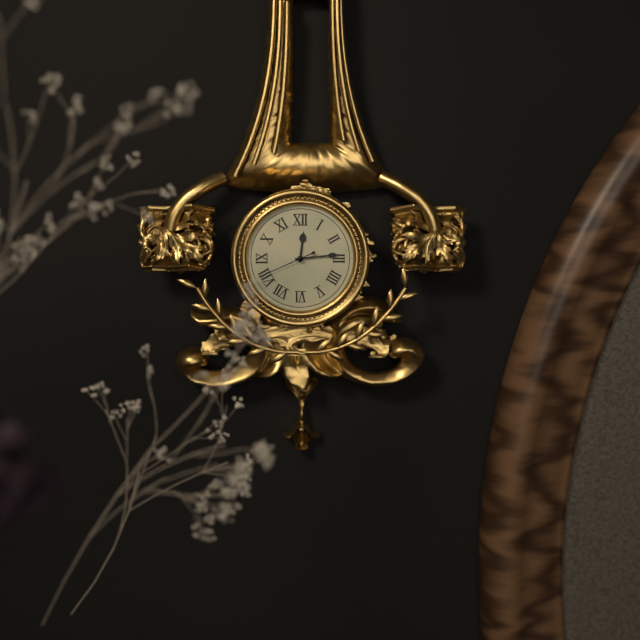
12:14:41
